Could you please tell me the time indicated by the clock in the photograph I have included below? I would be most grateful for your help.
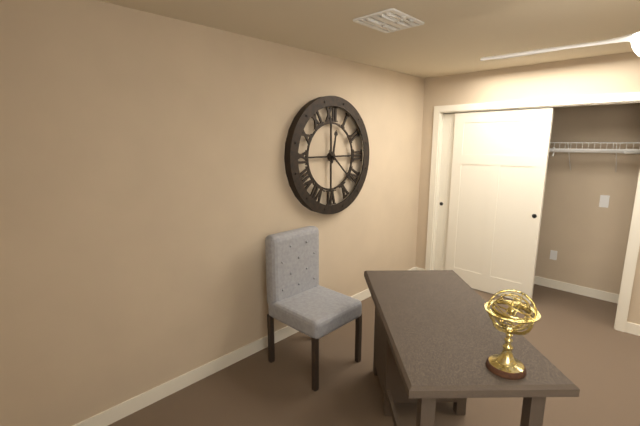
12:22
